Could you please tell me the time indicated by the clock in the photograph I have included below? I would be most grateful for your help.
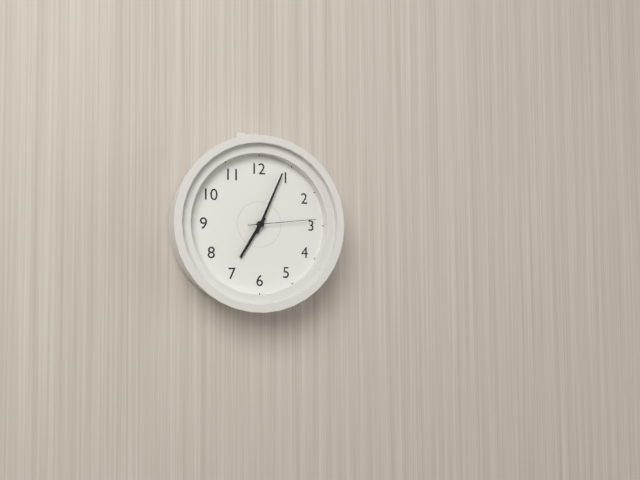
7:04:14
